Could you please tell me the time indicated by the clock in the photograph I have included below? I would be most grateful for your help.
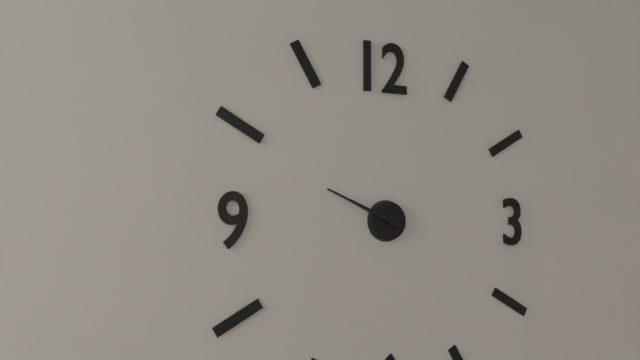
9:49
